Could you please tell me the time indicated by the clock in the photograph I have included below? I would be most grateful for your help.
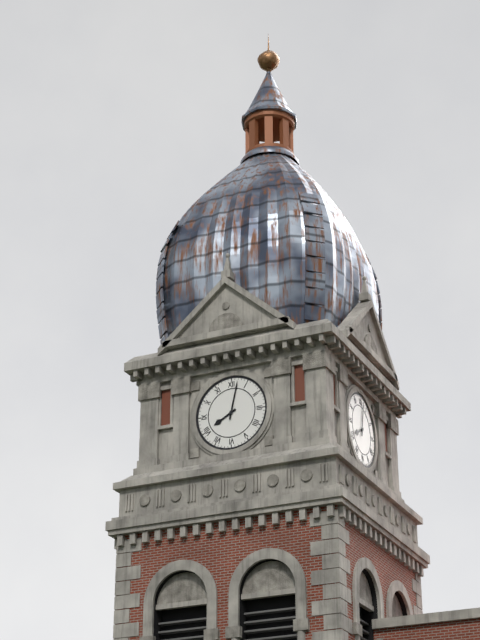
8:02
